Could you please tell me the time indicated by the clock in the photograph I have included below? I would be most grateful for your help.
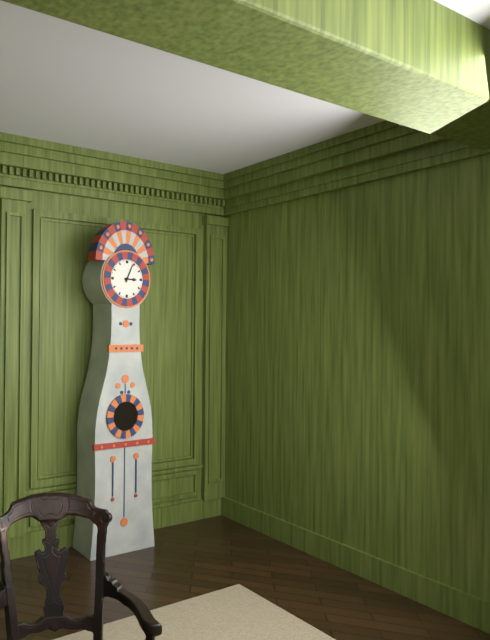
3:04
